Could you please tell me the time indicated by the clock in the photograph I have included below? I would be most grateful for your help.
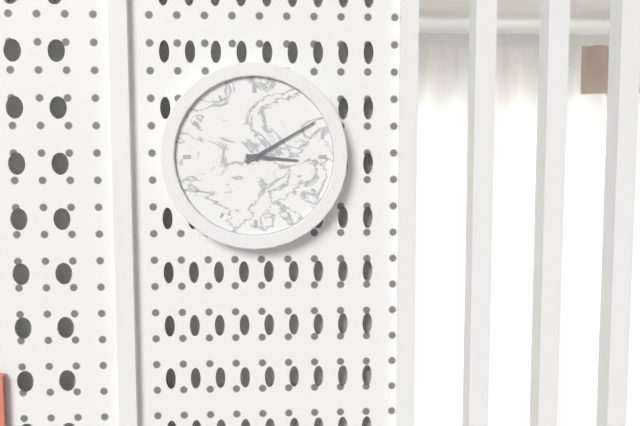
3:10
